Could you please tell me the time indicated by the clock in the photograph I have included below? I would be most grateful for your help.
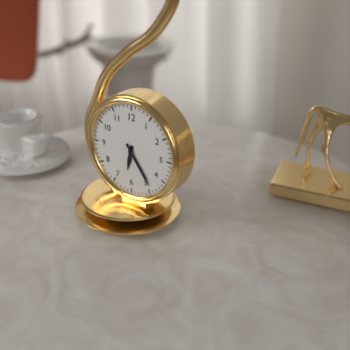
6:24
